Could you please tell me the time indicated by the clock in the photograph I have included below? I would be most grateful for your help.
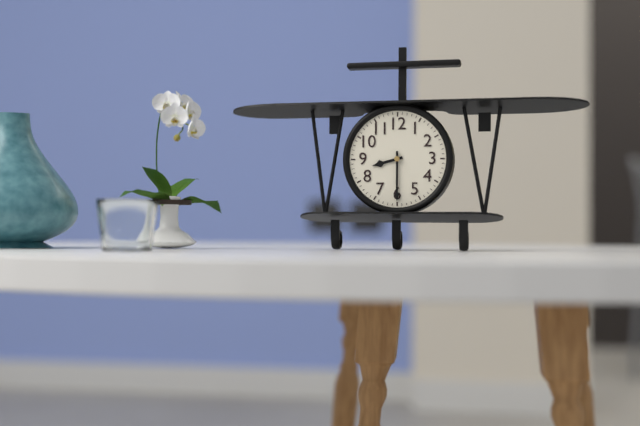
8:30
